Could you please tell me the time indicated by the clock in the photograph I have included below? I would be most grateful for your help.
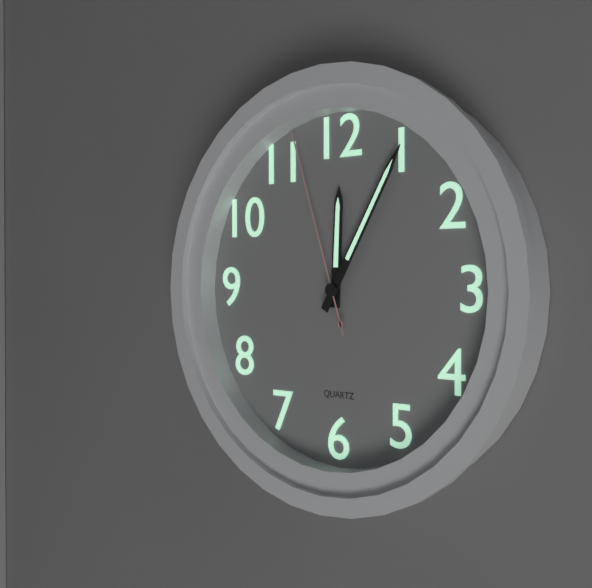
12:05:57
